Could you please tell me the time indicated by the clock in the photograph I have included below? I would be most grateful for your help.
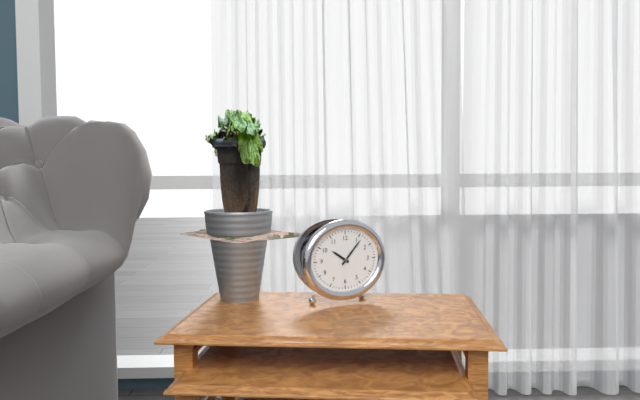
10:07
